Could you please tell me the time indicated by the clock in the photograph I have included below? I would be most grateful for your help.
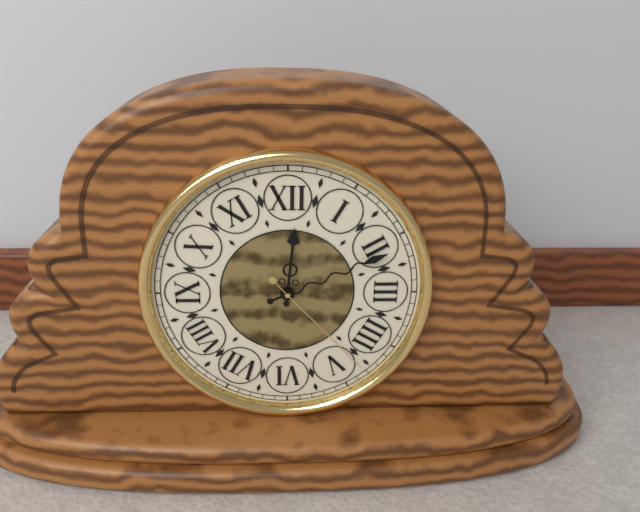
12:11:23
